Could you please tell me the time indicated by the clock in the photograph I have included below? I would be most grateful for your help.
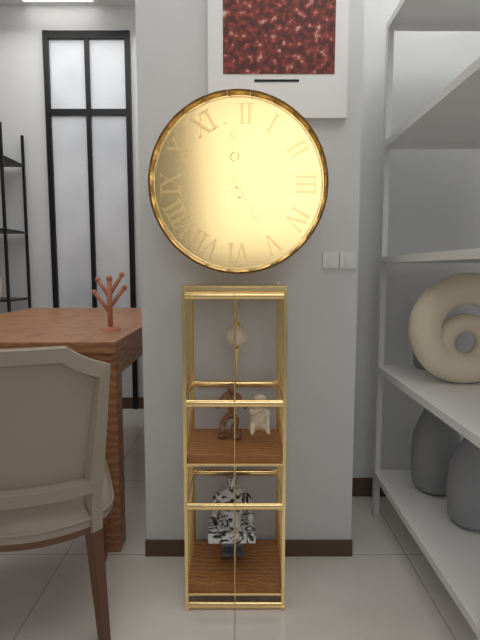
4:59
